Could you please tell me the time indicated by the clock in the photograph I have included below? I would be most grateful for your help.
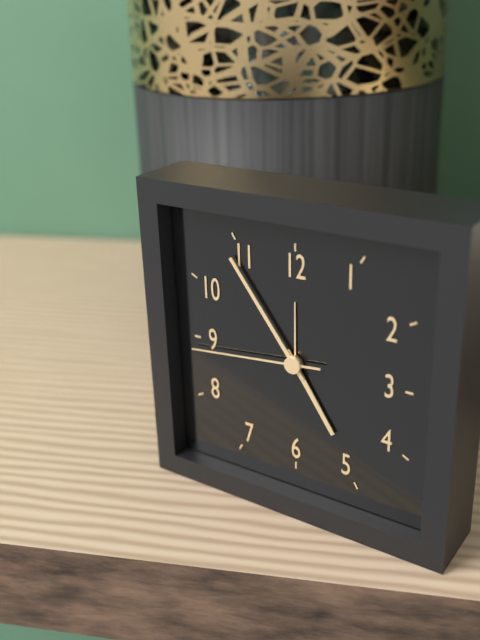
4:54:44
